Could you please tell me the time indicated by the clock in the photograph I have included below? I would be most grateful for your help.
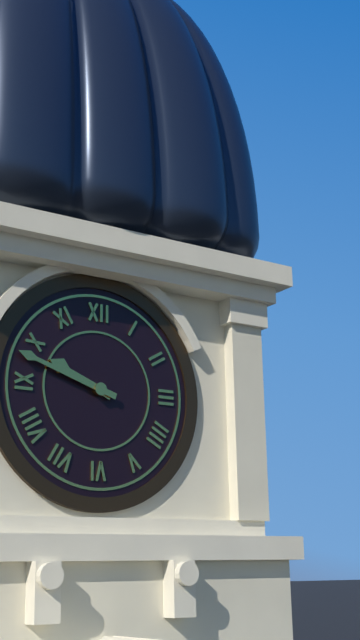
9:48
